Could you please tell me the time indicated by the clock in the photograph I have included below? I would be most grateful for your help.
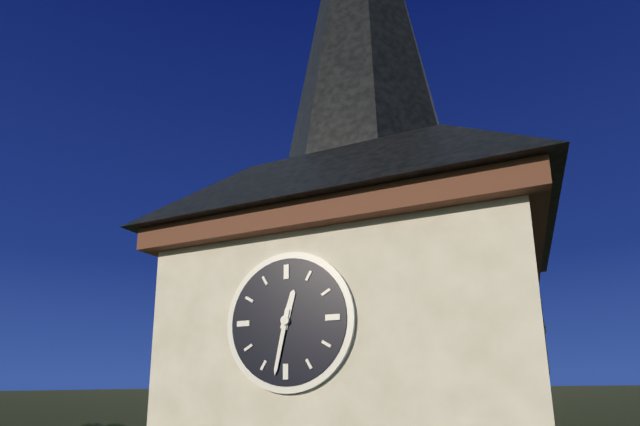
12:32
